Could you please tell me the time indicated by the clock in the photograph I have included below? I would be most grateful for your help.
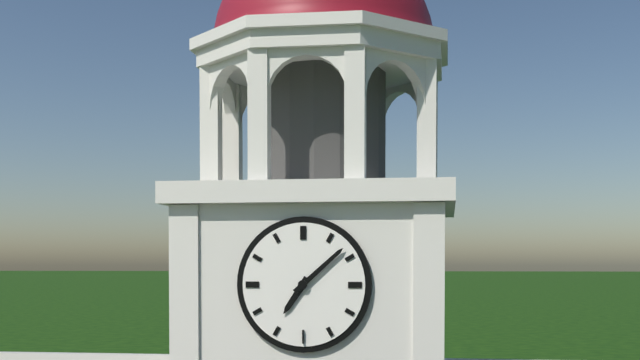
7:08
